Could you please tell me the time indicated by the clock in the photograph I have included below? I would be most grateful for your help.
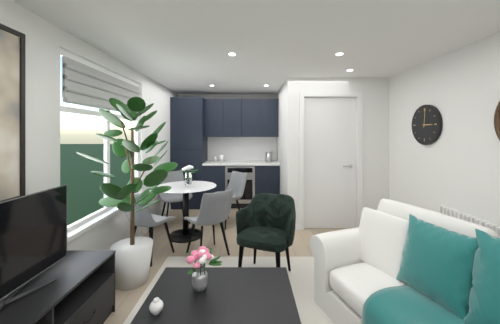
3:01
